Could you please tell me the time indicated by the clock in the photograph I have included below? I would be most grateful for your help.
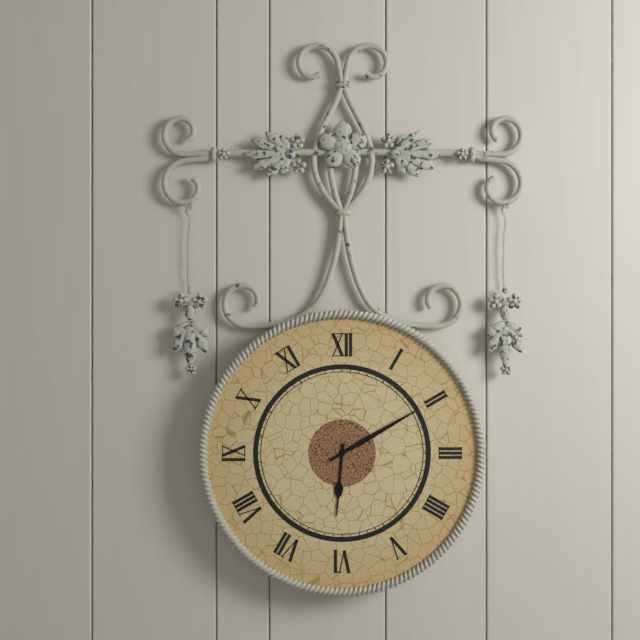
6:10
